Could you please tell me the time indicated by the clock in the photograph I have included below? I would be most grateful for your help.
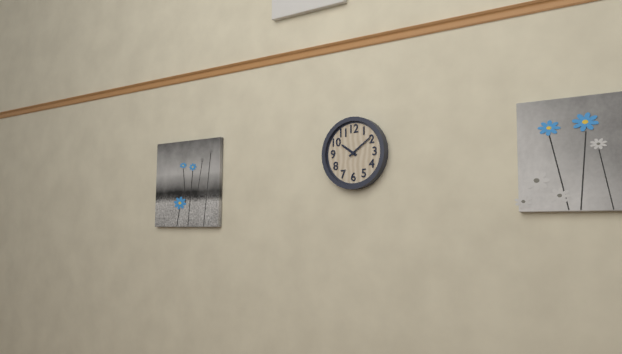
10:09
